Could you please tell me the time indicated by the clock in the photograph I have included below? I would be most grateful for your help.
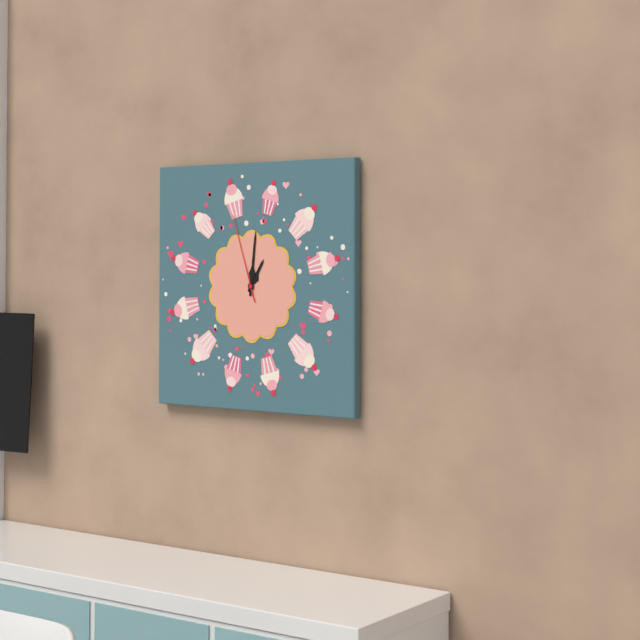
1:01:57
